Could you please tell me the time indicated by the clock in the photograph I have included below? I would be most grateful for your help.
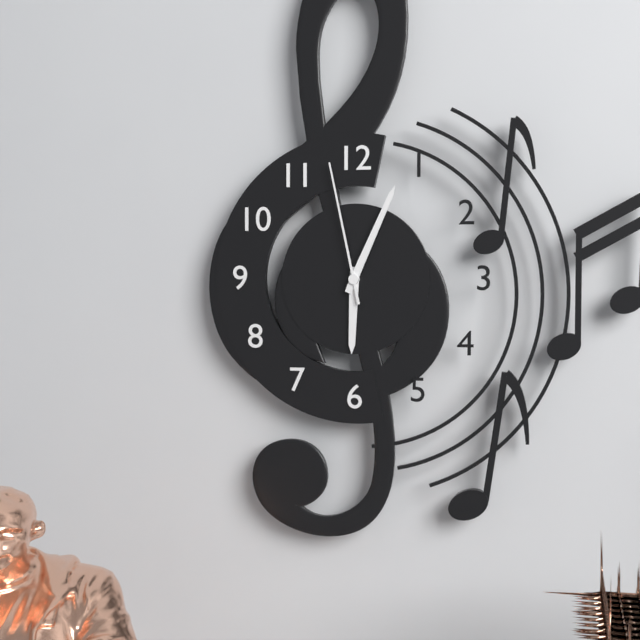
6:04:58
